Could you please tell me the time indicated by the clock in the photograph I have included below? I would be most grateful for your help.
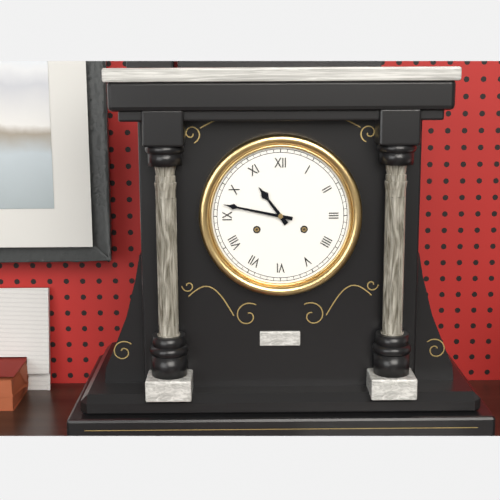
10:47
